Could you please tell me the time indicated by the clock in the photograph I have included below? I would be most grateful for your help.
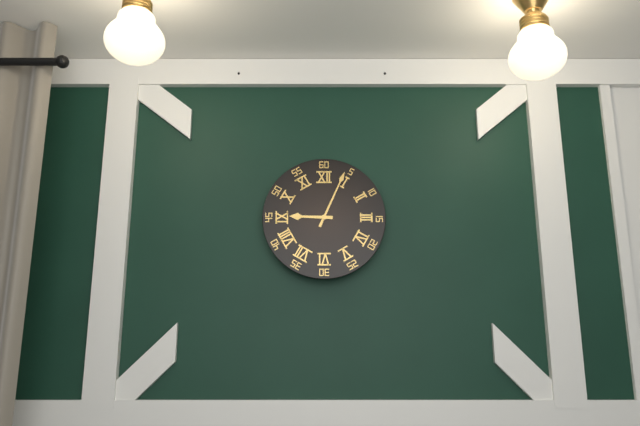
9:04
